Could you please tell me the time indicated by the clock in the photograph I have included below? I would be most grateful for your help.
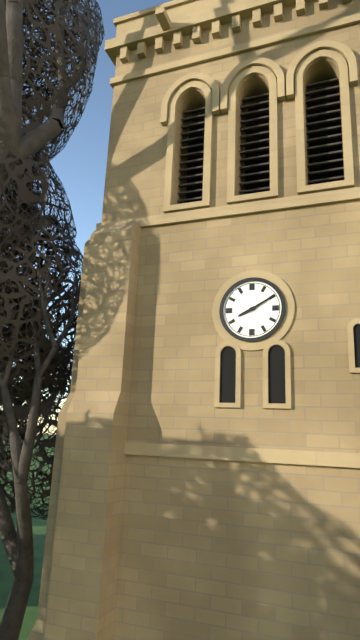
8:10
